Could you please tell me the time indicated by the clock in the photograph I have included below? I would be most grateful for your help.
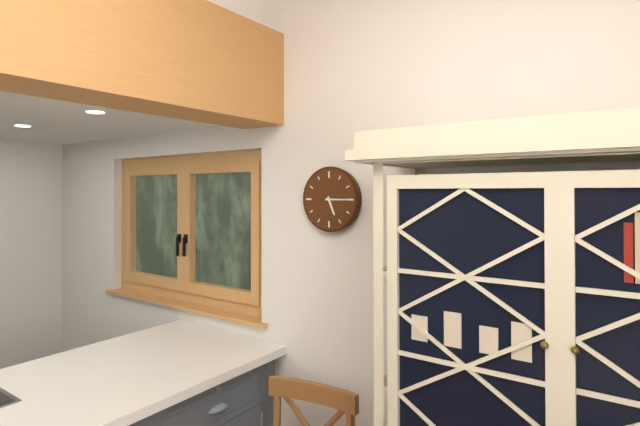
5:15
